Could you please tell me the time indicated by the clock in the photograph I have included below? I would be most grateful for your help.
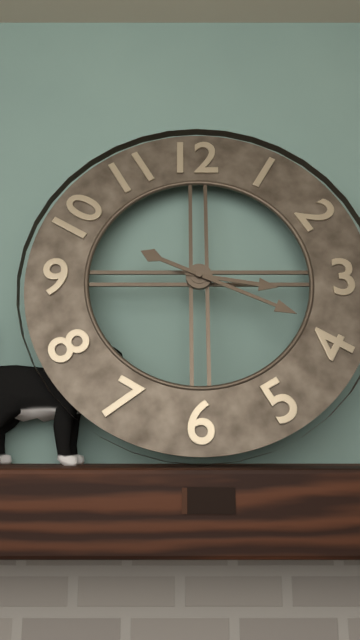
3:19
